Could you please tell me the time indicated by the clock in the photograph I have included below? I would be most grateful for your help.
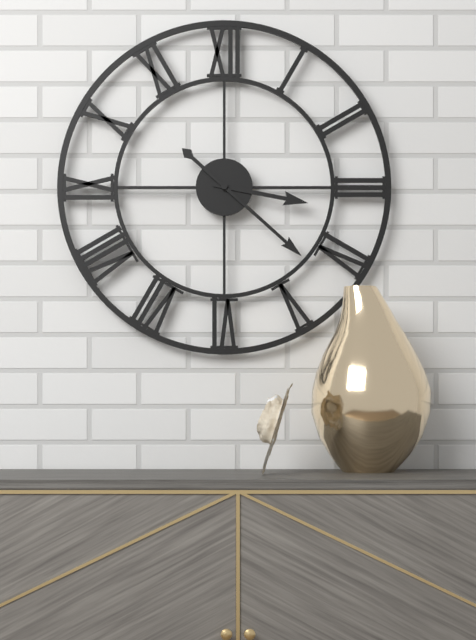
3:22
